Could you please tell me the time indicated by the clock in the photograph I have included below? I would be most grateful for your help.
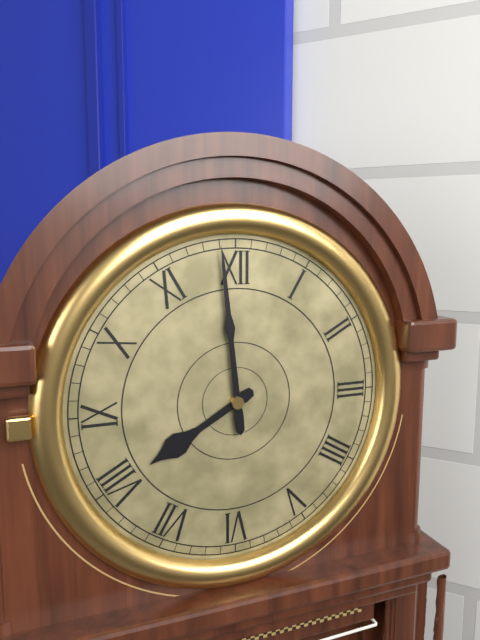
7:59
